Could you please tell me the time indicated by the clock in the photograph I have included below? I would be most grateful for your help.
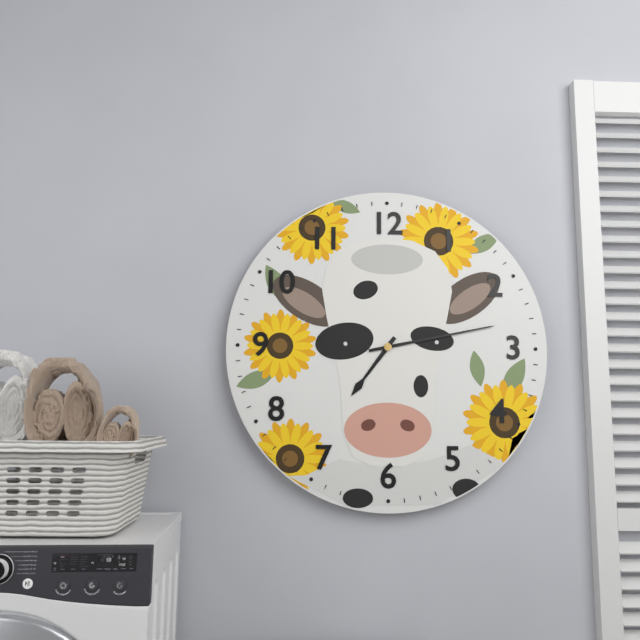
7:13
